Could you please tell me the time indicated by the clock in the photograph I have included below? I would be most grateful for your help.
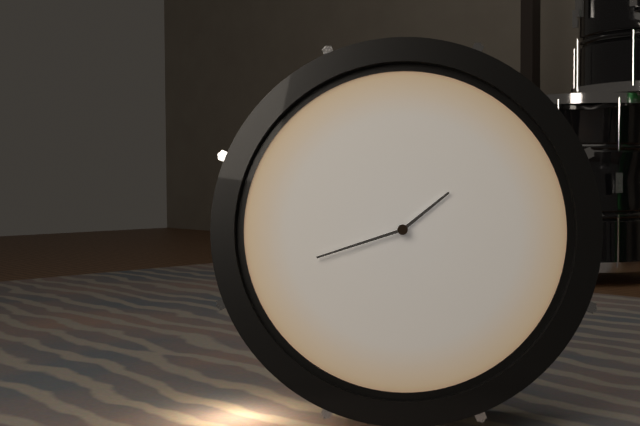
1:42
